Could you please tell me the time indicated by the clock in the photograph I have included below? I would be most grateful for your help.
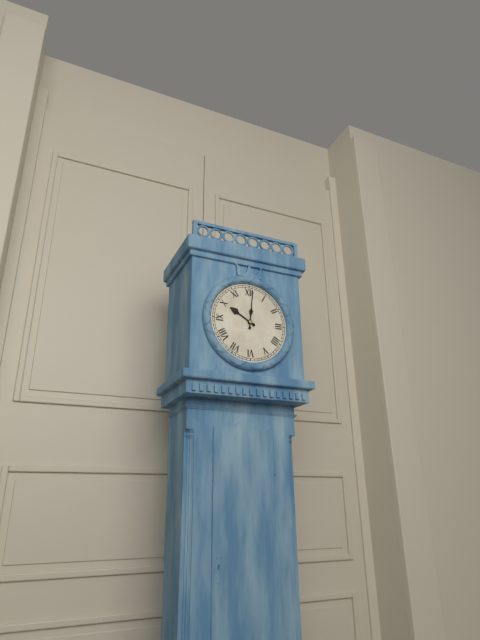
10:01
